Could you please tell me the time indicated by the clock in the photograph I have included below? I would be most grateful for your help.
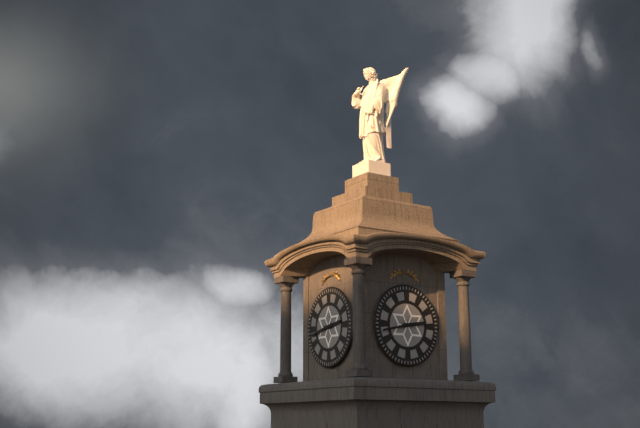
2:43
